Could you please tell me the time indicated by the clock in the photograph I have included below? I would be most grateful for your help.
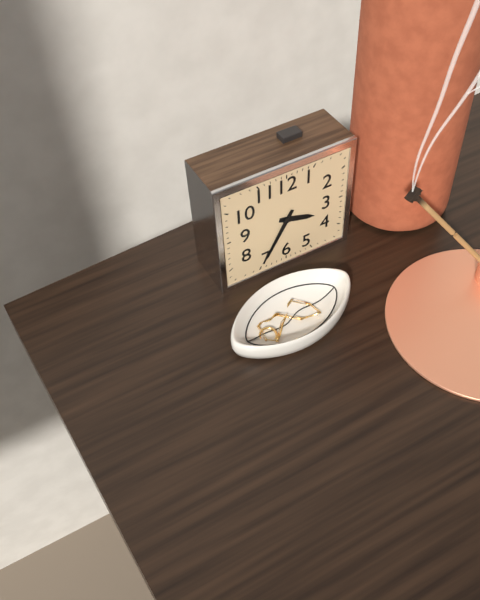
3:35
